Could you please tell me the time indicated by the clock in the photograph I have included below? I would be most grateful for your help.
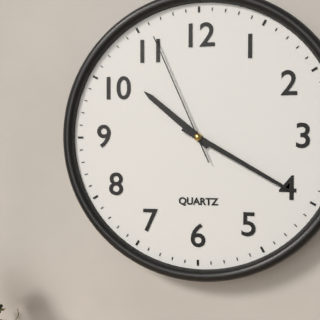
10:20:56
